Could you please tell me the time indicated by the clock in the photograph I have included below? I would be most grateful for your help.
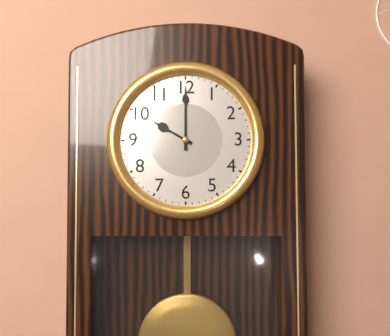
10:00
